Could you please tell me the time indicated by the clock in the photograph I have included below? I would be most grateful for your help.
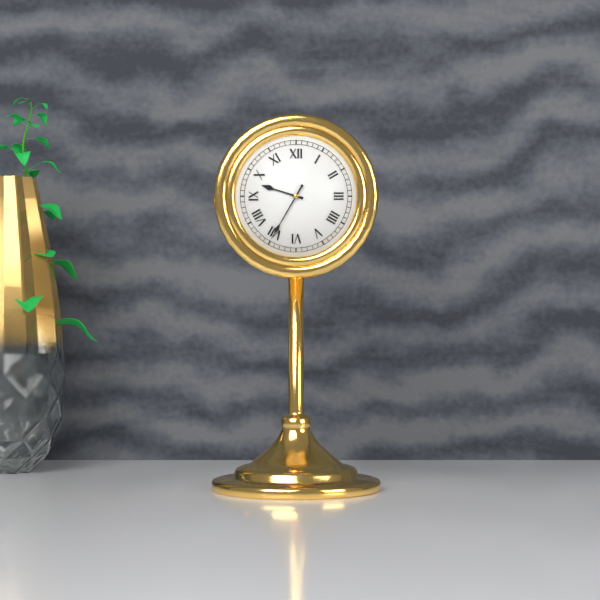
9:35
